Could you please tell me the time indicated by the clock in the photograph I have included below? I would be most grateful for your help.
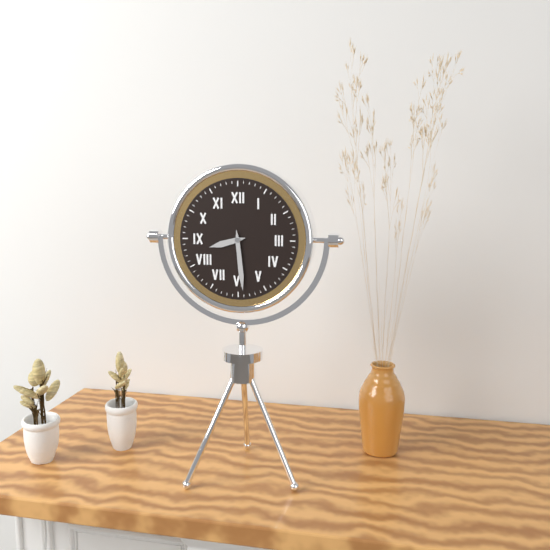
8:29
